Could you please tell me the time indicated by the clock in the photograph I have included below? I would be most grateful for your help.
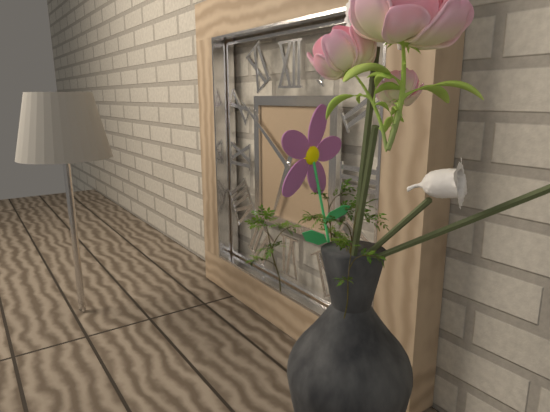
6:51
